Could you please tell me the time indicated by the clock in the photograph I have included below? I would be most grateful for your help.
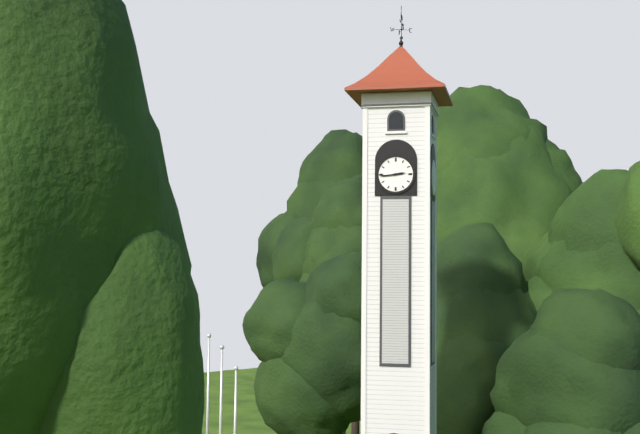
2:44
